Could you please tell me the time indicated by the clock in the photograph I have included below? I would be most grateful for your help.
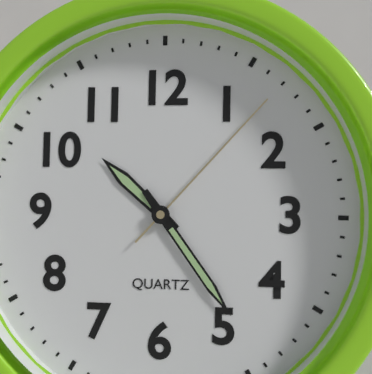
10:24:07
